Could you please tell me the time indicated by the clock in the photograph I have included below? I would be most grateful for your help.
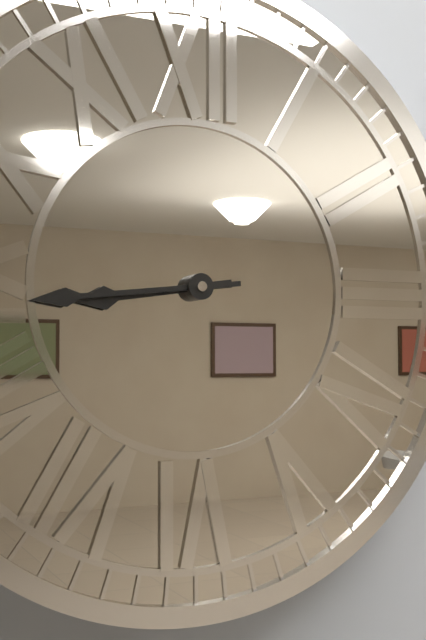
8:44
